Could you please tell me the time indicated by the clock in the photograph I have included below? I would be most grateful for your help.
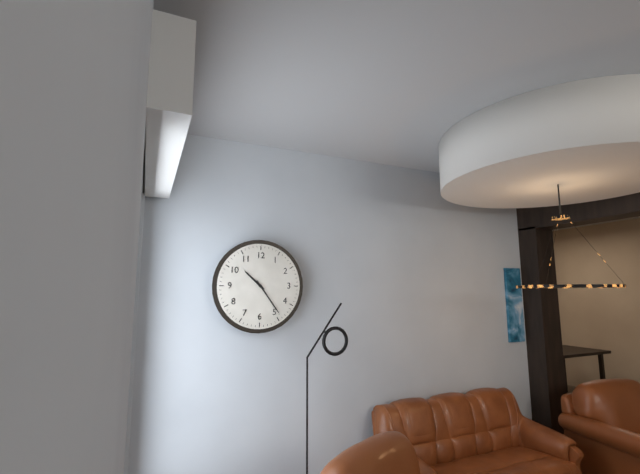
10:24
